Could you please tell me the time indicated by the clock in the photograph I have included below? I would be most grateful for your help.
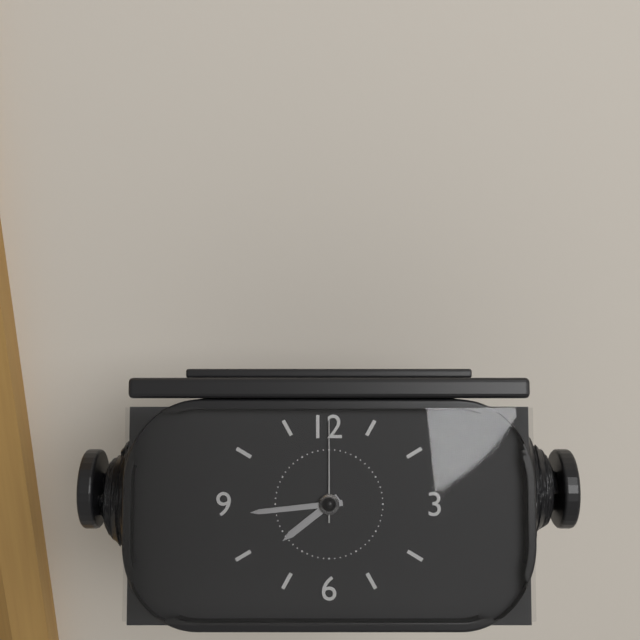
7:44:00
